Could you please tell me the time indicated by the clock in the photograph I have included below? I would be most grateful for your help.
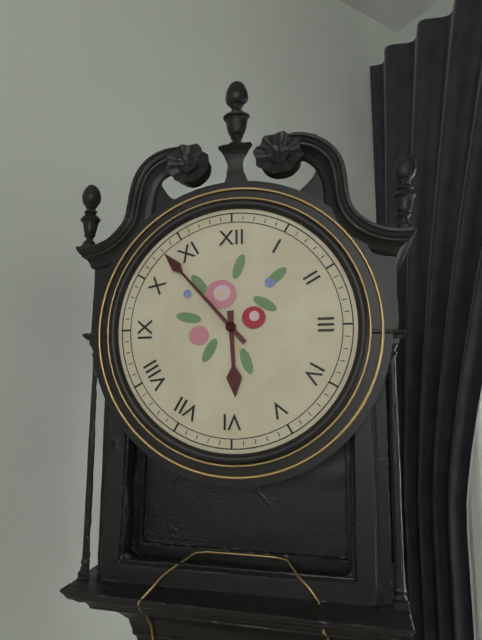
5:53
